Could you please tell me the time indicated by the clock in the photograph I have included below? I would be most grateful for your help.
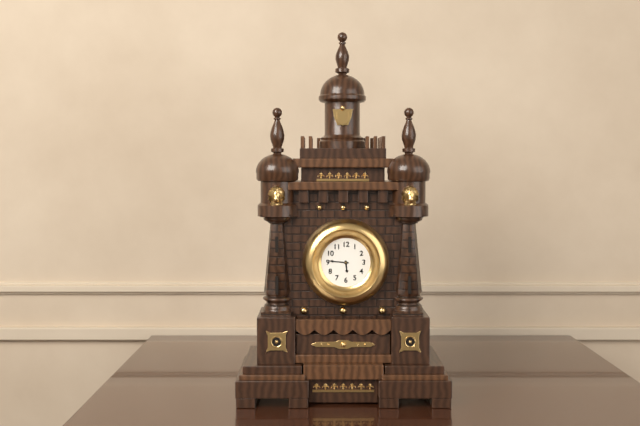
5:46
